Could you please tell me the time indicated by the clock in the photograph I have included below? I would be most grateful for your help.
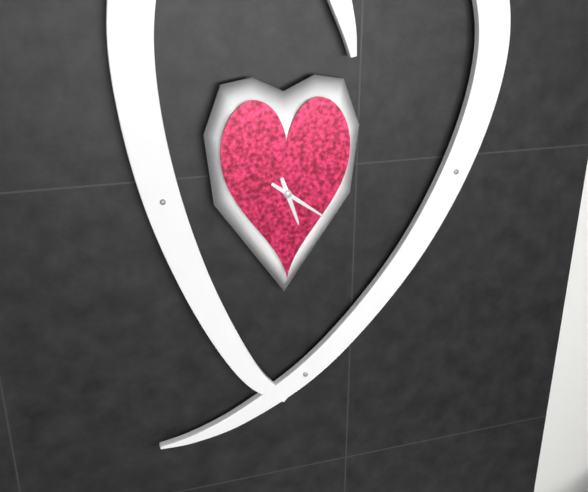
5:21
